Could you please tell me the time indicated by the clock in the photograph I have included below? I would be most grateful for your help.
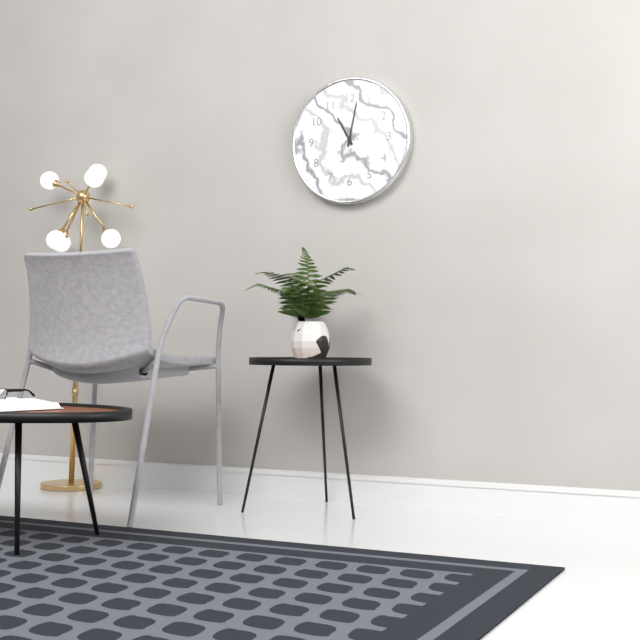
11:02
